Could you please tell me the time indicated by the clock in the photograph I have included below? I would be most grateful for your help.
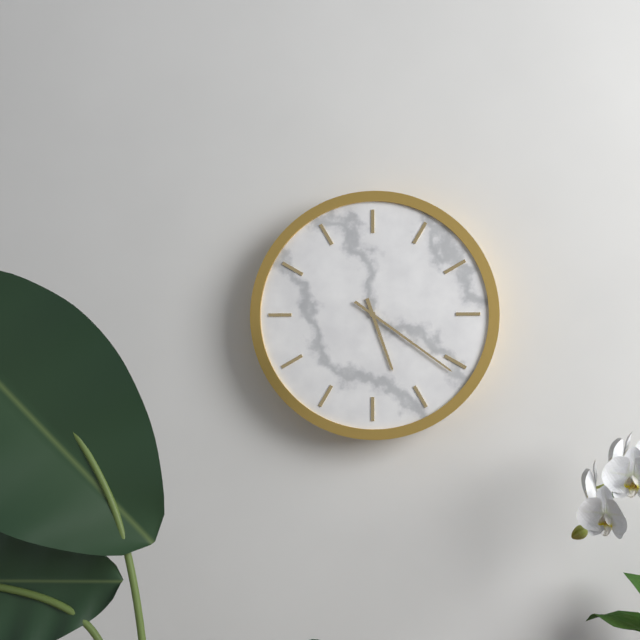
5:21
